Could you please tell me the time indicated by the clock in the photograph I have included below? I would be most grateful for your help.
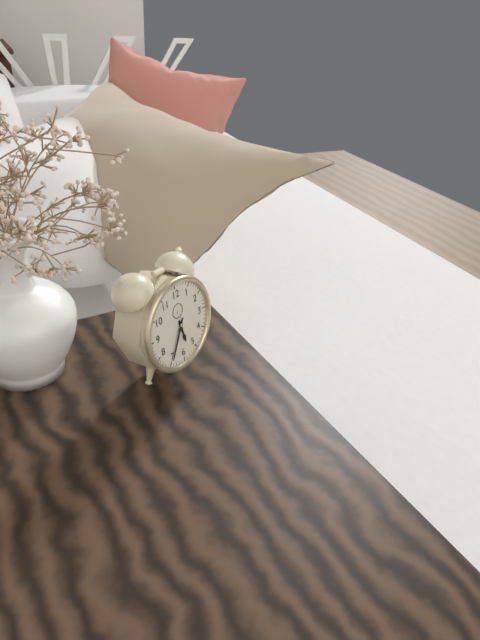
5:35
